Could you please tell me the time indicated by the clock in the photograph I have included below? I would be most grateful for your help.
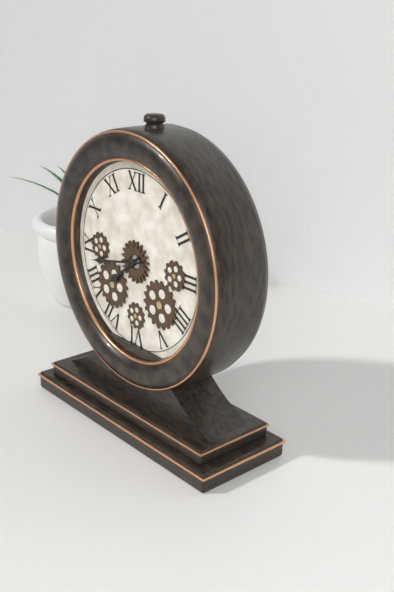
7:43
